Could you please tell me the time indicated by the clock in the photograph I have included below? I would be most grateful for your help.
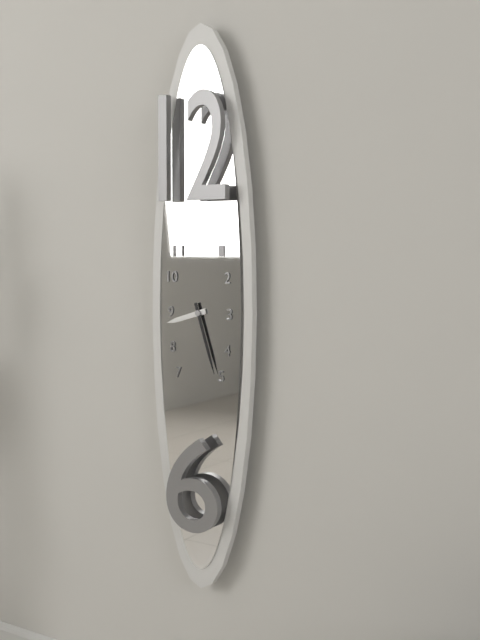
8:27
